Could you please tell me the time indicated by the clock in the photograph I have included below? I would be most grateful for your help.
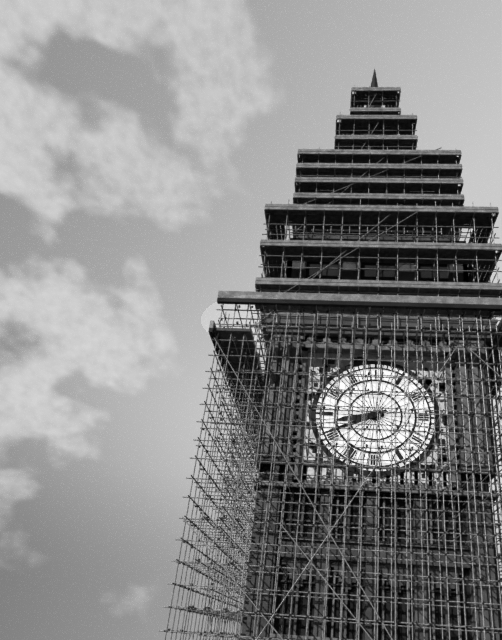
8:41
